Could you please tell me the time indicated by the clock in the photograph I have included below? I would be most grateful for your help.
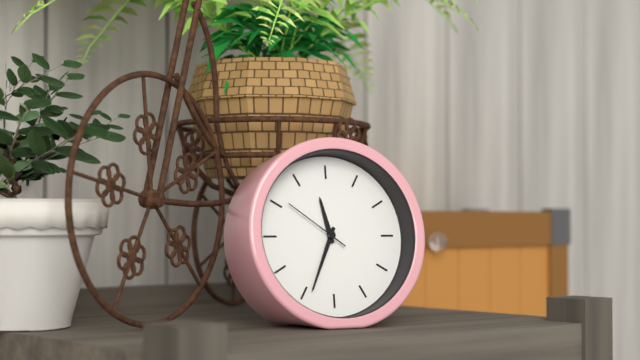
11:34:51
